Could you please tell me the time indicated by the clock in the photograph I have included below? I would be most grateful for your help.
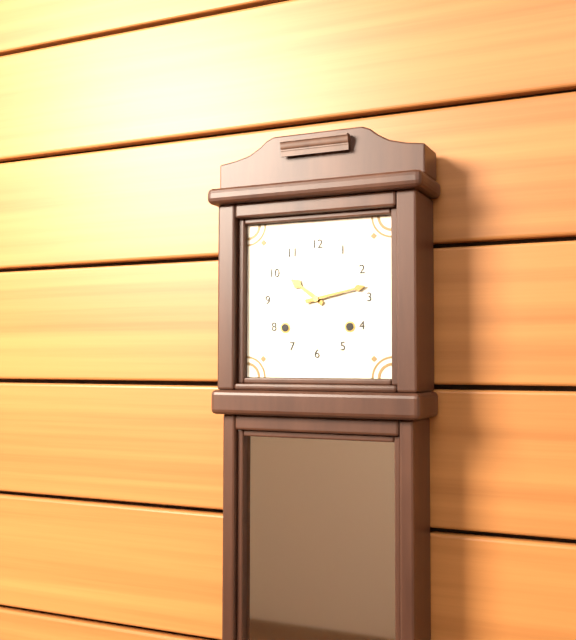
10:13
